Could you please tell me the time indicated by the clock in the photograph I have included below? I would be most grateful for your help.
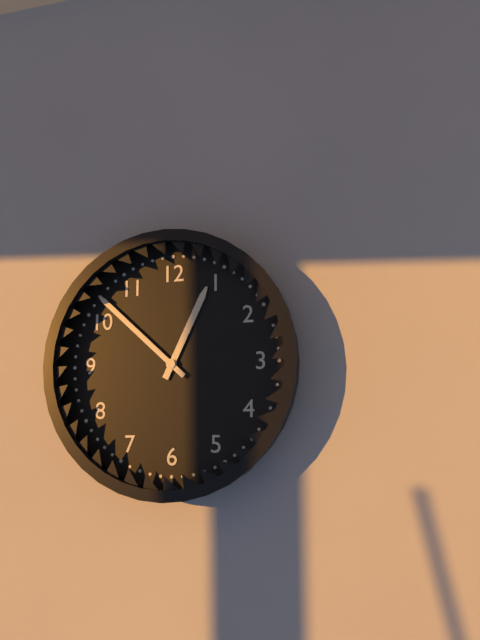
12:52
